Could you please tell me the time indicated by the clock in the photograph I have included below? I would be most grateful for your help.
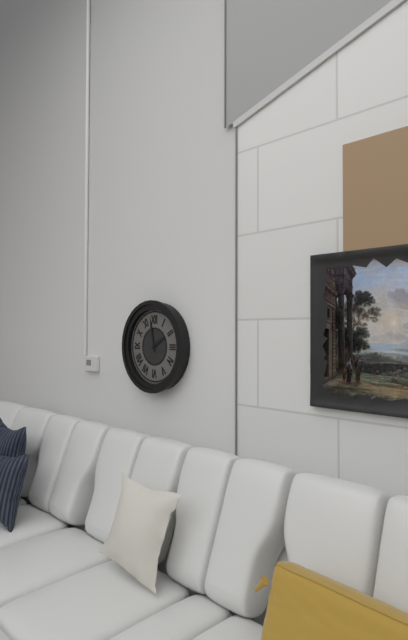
1:58
